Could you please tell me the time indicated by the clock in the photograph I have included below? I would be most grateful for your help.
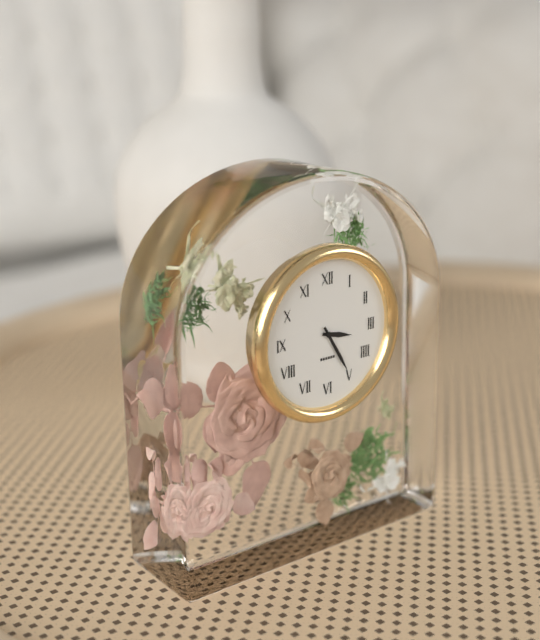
3:25
